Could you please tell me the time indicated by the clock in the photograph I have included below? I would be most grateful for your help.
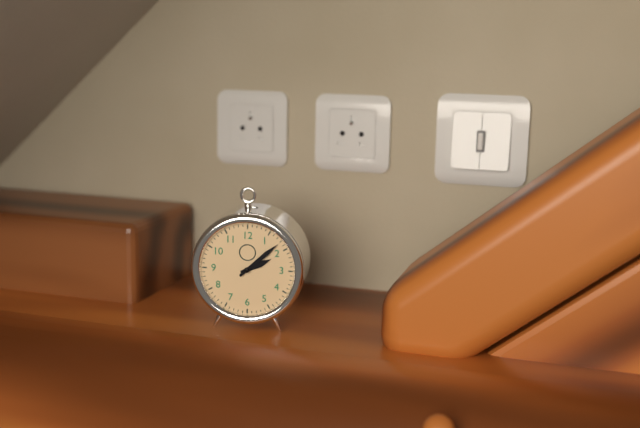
2:08
